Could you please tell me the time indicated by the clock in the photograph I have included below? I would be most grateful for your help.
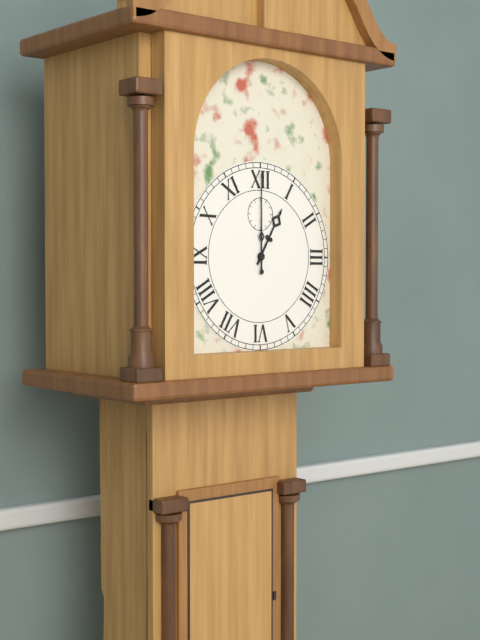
1:00
